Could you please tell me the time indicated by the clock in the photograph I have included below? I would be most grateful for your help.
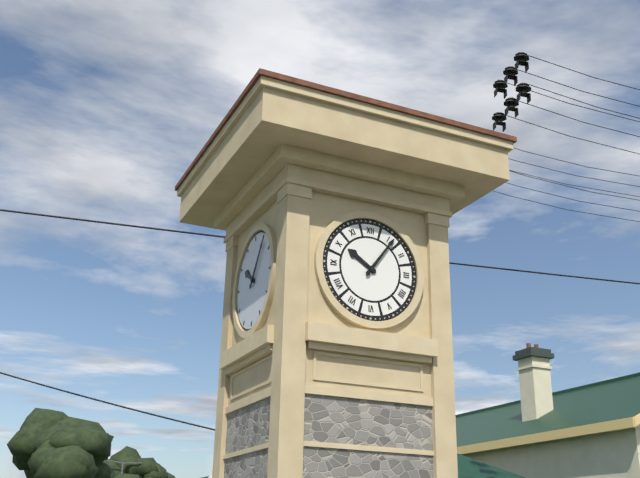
10:06
